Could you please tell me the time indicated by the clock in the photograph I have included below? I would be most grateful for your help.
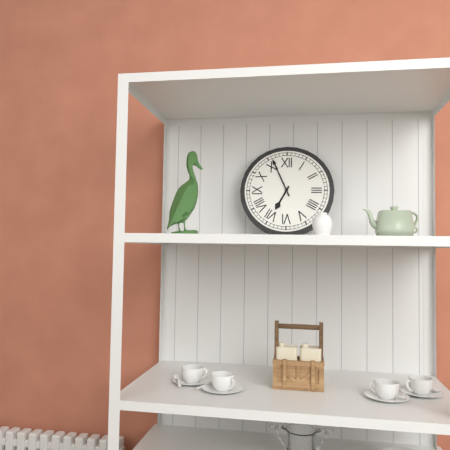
6:56
